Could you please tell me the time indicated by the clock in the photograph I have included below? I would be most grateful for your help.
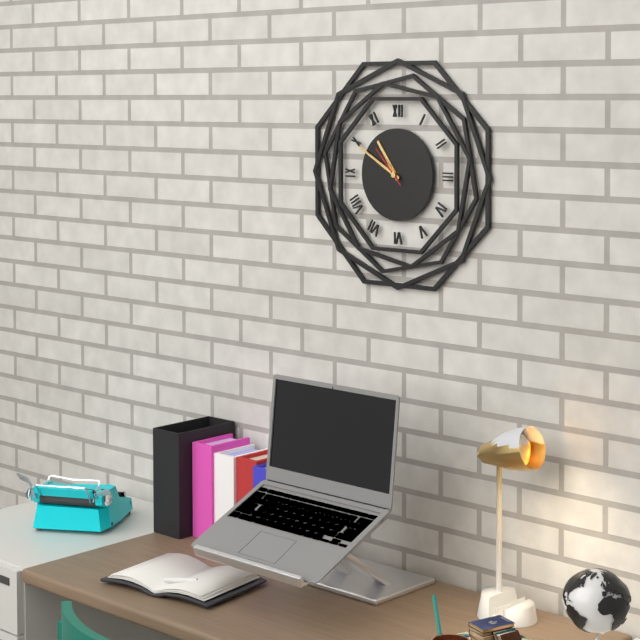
10:50
